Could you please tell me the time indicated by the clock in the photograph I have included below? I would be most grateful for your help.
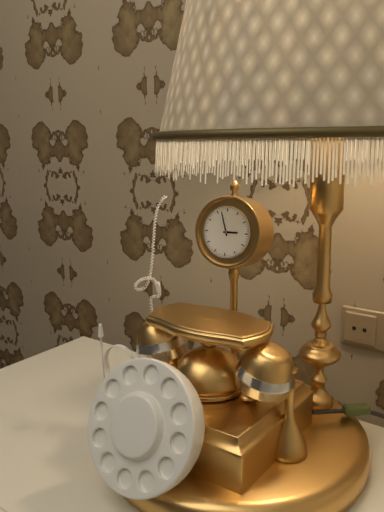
2:57
